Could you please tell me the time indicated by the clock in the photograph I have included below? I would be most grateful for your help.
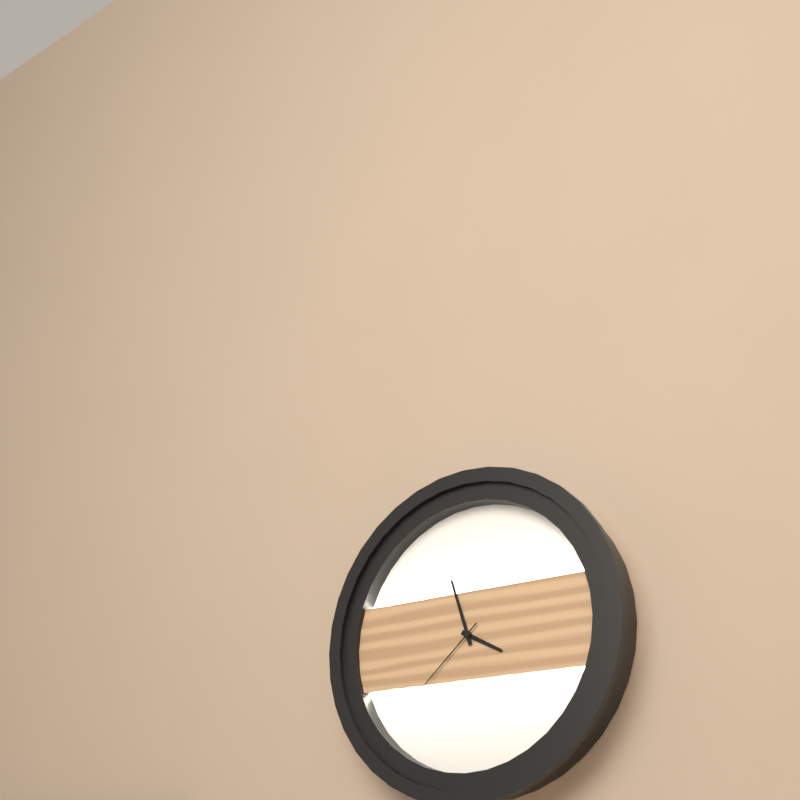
3:57:38
